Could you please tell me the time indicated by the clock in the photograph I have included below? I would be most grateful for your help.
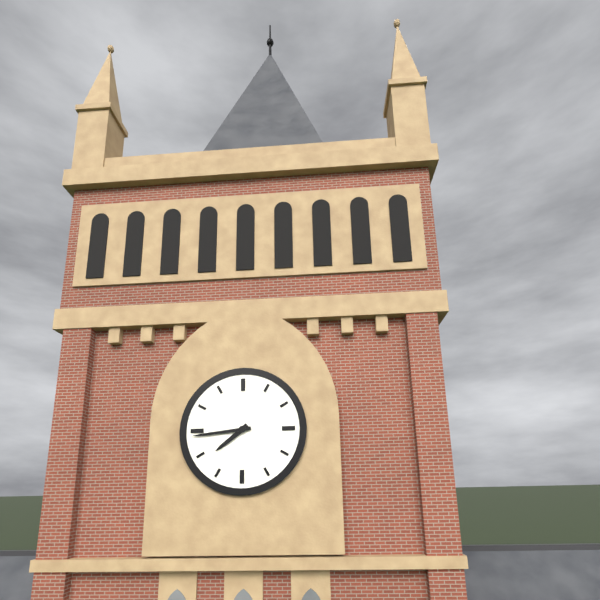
7:44
